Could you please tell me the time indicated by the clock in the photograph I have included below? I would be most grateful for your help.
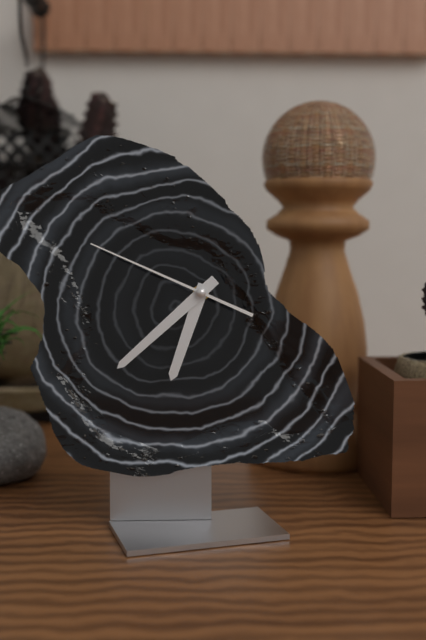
6:38:49
